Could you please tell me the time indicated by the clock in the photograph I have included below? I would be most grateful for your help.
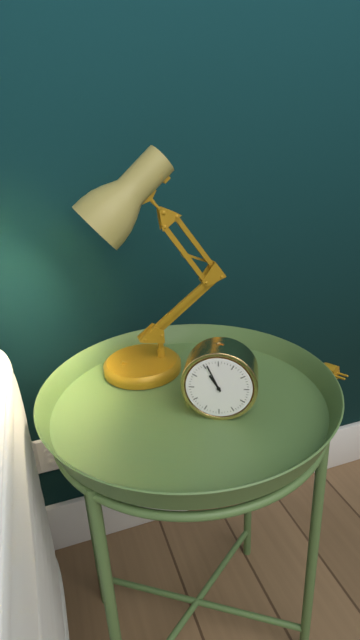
10:56
